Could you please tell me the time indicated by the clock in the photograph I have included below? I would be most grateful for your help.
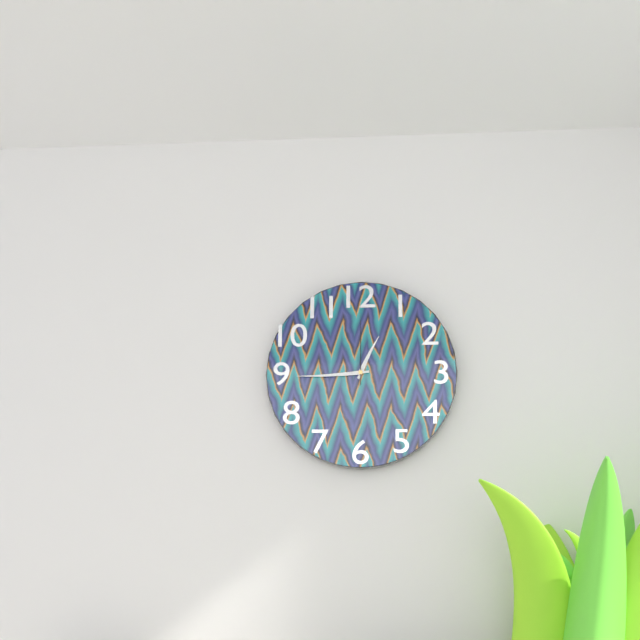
12:44:00
